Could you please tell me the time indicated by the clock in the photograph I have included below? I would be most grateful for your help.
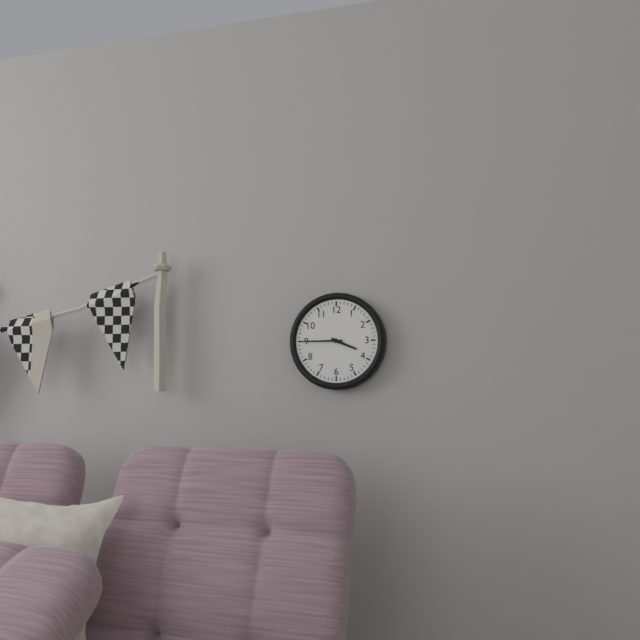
3:45
